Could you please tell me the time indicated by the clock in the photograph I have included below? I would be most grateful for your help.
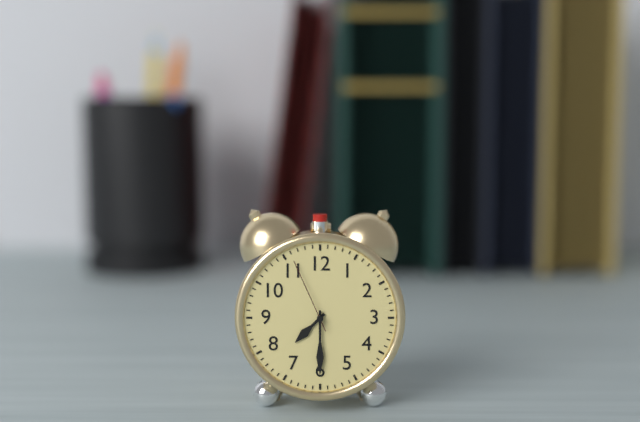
7:30:56
